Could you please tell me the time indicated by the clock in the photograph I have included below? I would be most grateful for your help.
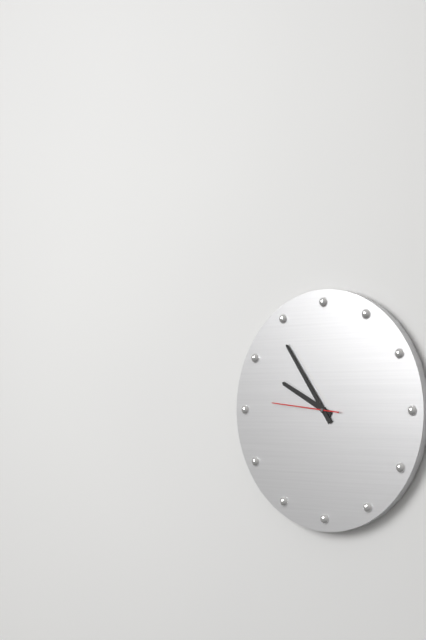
9:54:46
